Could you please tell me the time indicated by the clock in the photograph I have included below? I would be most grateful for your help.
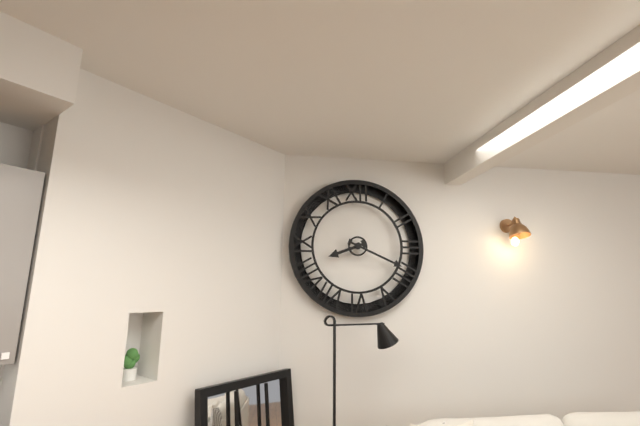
8:19
